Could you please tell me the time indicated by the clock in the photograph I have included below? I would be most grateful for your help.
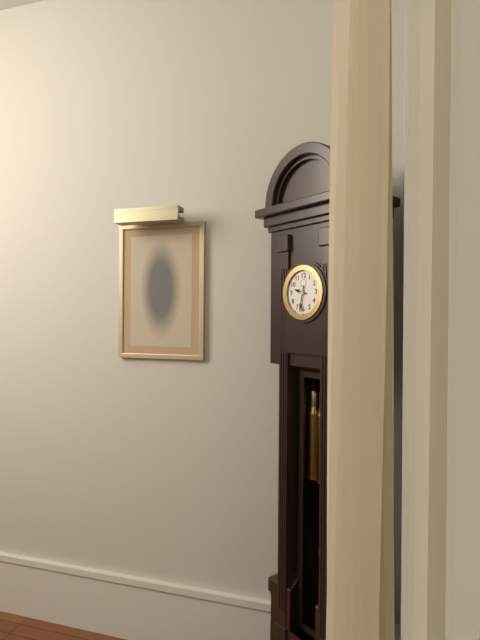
9:32
